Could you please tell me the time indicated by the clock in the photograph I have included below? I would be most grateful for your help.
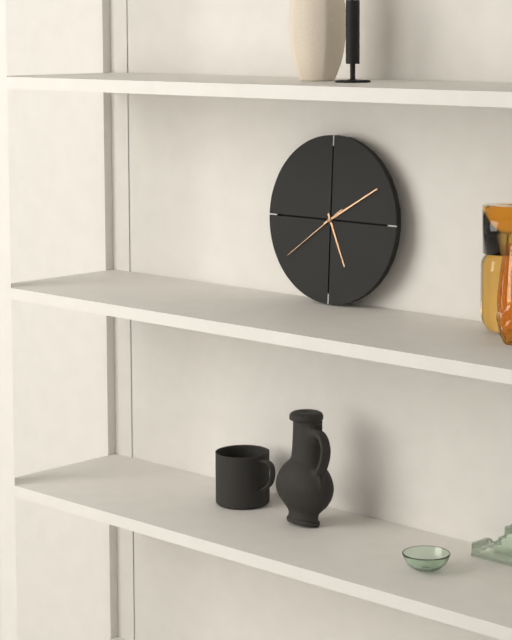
5:10:39
